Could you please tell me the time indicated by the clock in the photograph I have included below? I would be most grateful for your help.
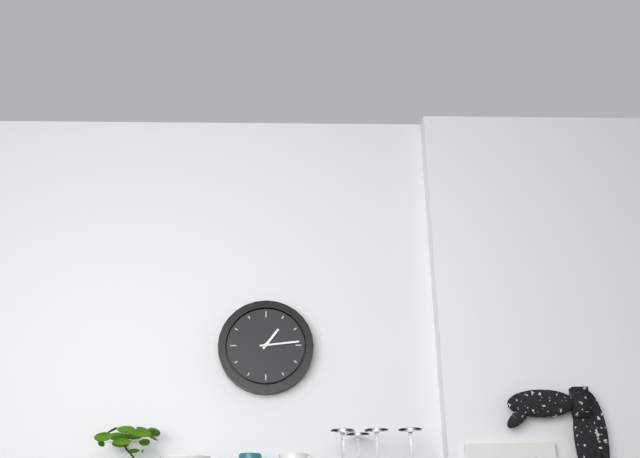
1:14
